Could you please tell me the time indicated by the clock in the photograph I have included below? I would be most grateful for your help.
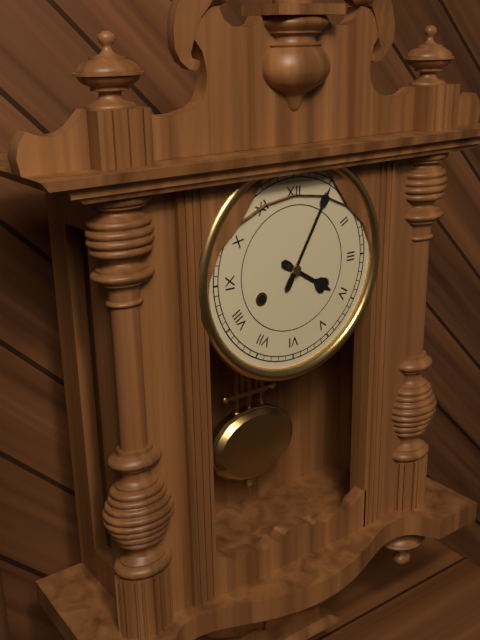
4:05
